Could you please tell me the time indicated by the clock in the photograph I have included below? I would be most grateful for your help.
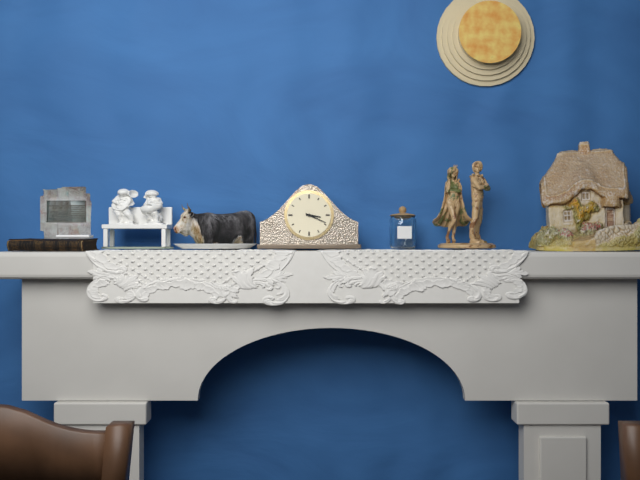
3:19
